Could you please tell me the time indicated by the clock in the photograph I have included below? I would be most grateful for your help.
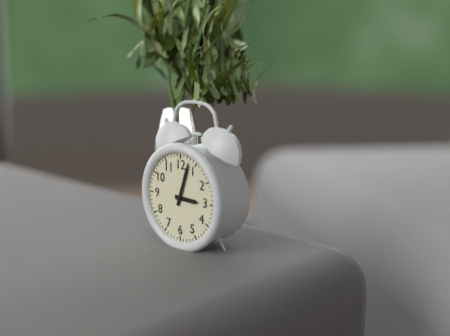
3:03
